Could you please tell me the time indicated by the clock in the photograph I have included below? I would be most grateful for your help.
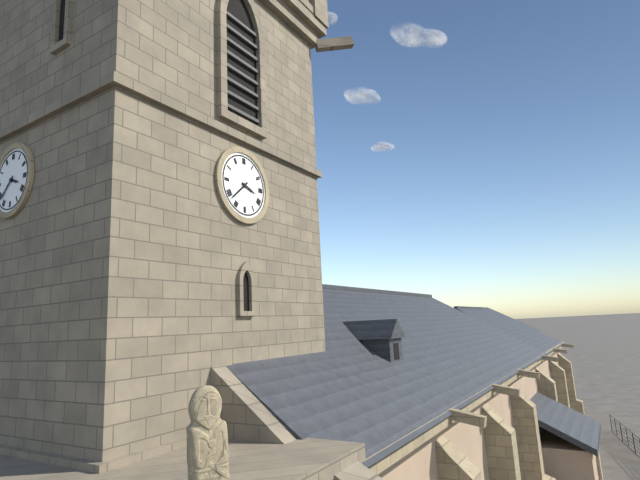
3:38
